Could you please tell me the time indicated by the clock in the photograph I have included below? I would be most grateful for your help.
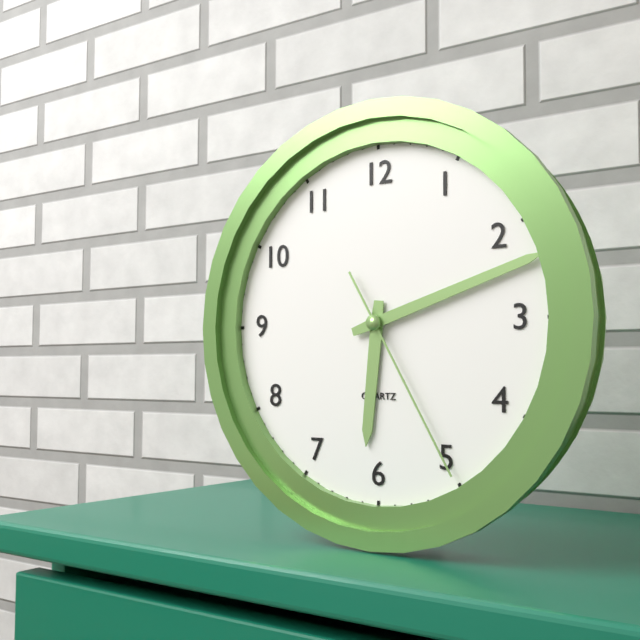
6:12:25
